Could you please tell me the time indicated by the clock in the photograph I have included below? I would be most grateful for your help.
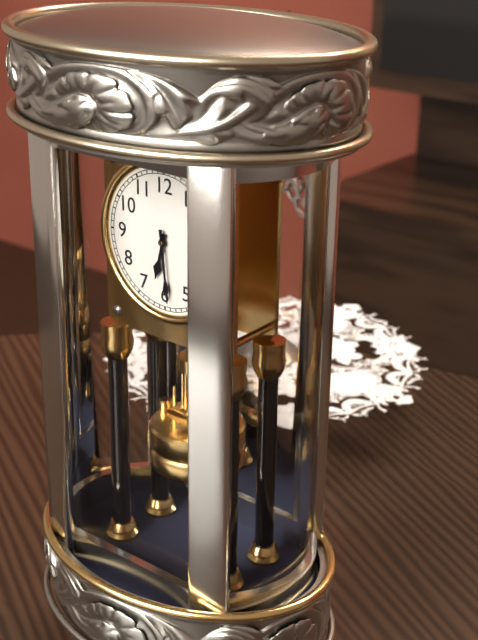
6:29
